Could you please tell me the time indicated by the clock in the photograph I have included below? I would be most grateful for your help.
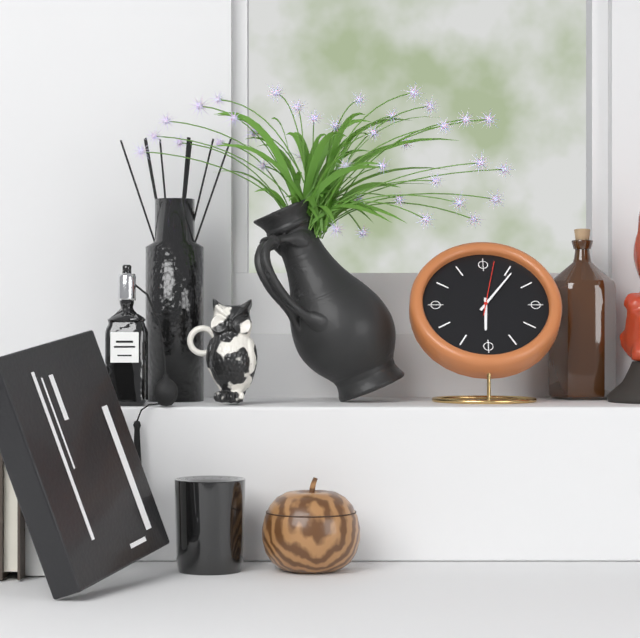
6:06:02
